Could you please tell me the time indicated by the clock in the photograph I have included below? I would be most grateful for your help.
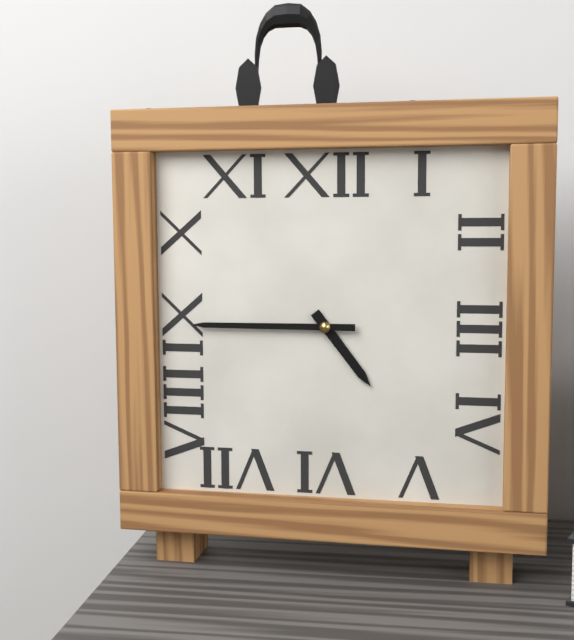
4:45
